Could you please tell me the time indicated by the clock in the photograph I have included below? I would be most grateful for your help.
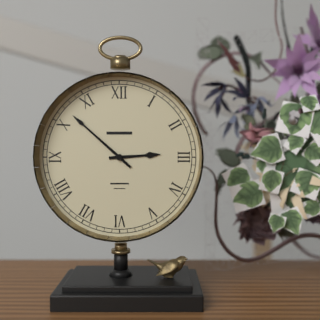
2:52
